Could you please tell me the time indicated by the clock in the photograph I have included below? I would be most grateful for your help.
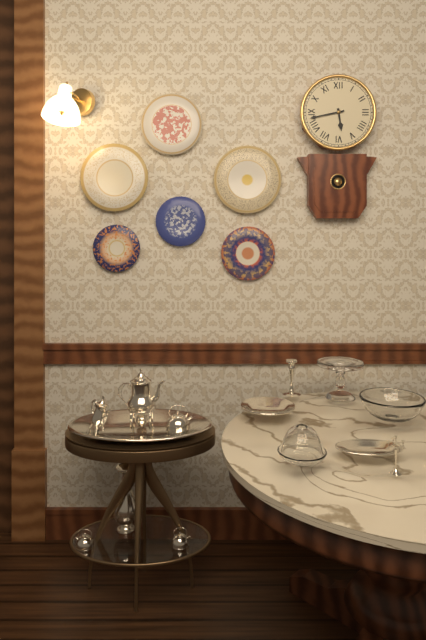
5:43
